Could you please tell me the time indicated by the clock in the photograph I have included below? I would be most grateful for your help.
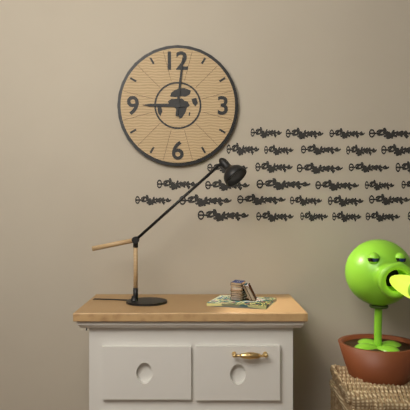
9:01
